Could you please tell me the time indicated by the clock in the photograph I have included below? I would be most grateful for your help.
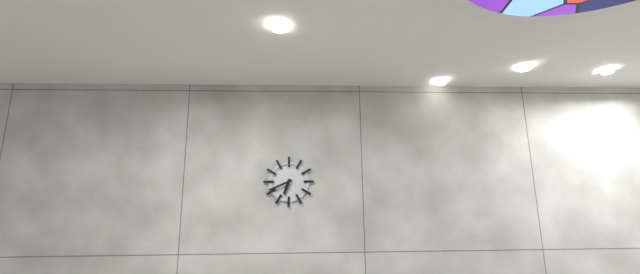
6:41
